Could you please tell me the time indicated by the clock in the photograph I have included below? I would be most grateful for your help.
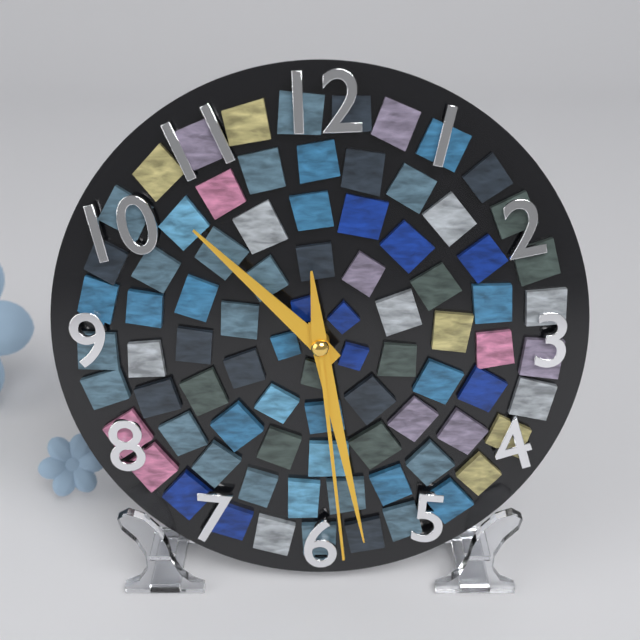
10:28:29
